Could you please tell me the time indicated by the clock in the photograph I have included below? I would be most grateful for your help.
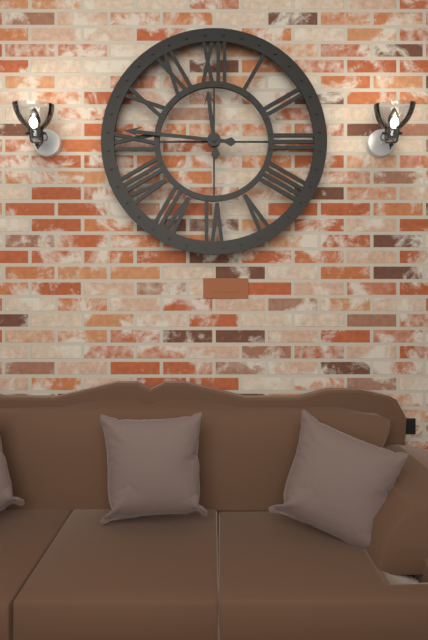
11:46
